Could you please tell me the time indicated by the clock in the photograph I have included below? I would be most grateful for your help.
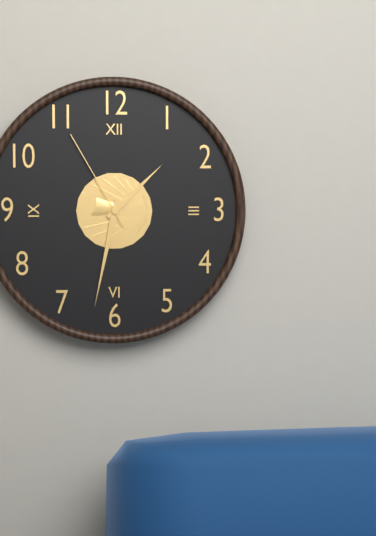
1:32:55
